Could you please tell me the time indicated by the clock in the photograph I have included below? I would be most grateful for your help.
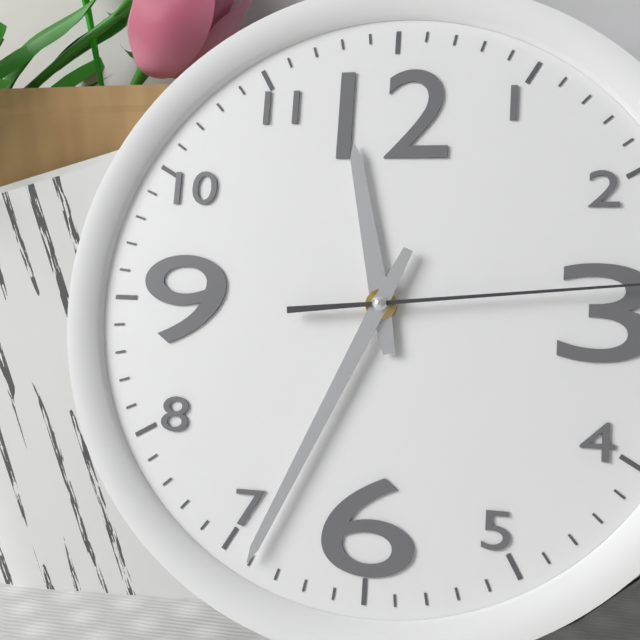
11:34
